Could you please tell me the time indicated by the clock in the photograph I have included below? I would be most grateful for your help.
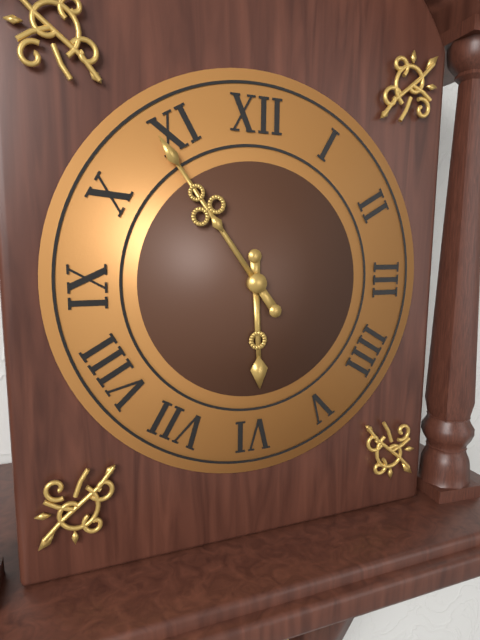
5:54
